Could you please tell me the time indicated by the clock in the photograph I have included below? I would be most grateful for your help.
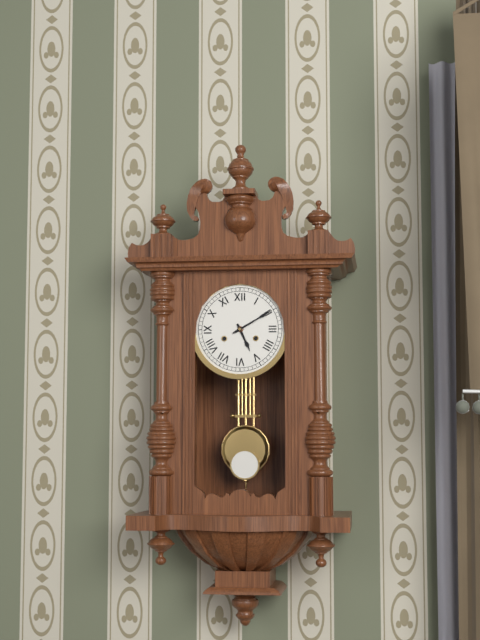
5:10
